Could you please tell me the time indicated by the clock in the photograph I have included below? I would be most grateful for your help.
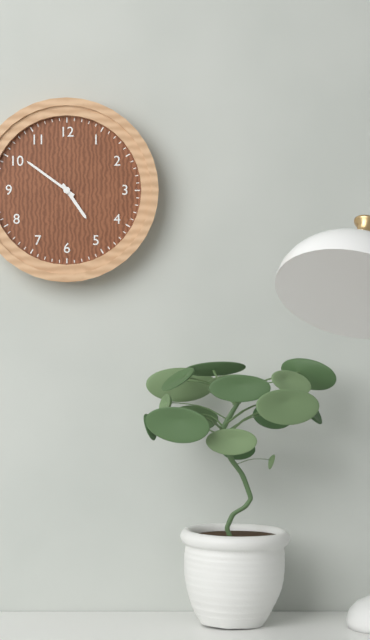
4:51
